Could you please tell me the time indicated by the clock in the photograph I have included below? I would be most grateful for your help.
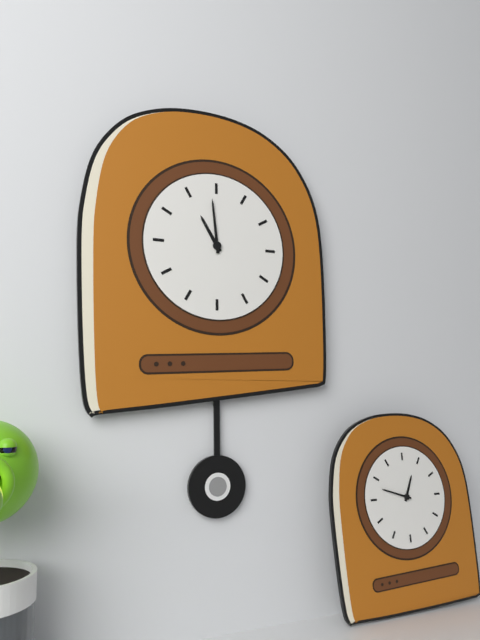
10:59
